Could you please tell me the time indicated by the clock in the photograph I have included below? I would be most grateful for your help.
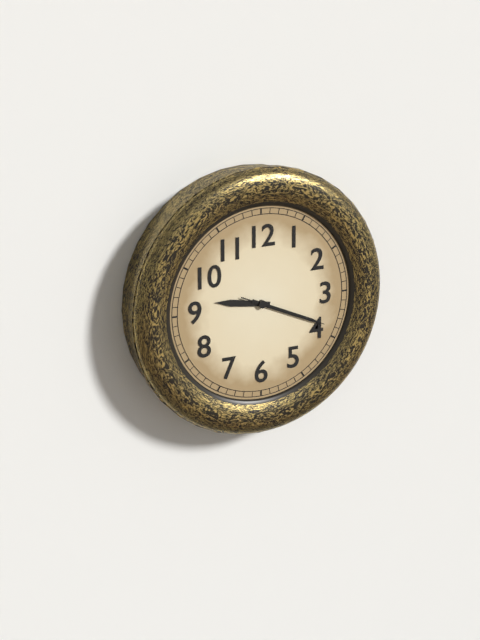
9:19:19
